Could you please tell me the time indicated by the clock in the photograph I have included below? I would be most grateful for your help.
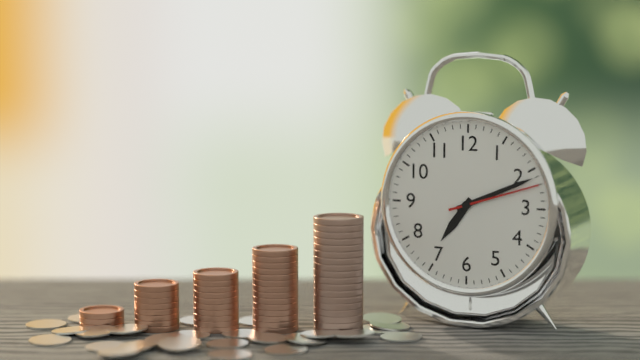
7:11:12
